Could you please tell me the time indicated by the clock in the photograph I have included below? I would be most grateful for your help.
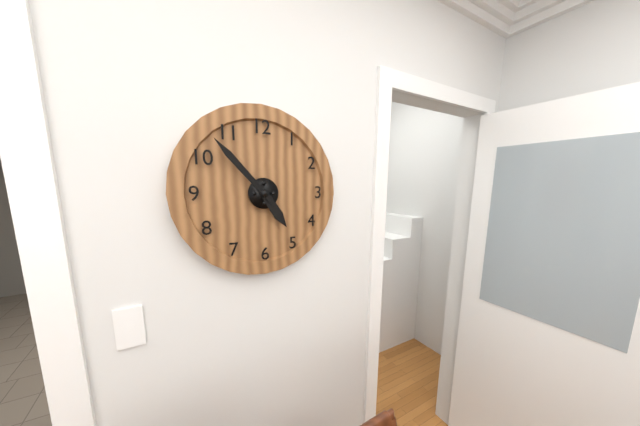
4:53
